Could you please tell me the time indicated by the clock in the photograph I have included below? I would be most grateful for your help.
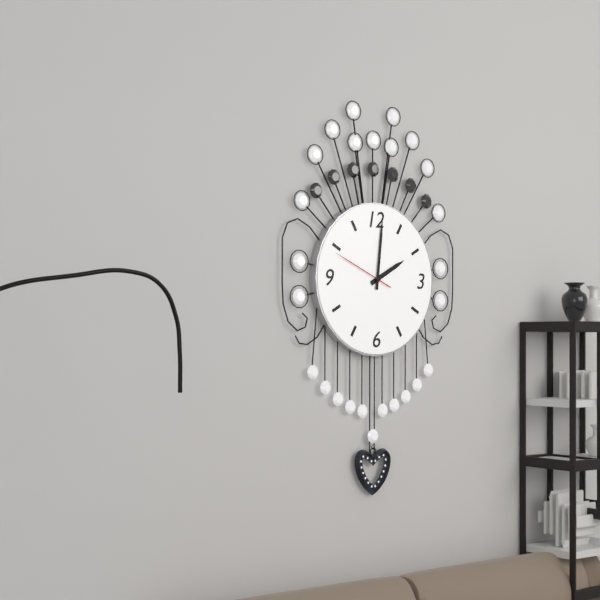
2:01:49
